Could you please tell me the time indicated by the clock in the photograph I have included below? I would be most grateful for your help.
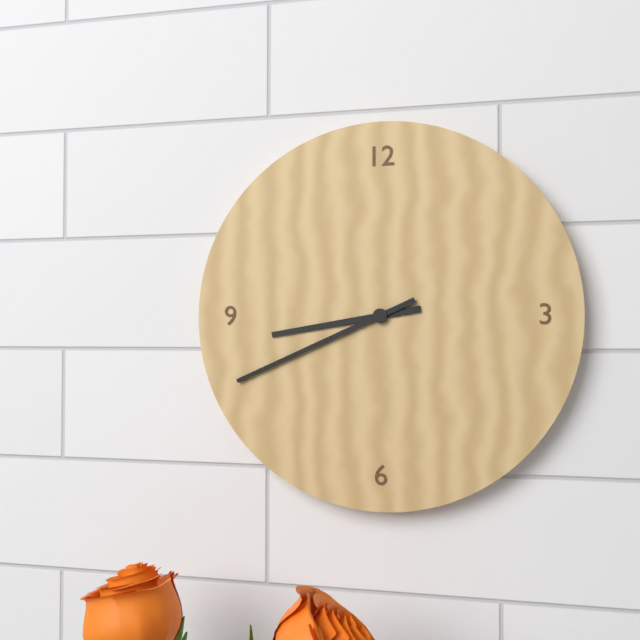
8:41
